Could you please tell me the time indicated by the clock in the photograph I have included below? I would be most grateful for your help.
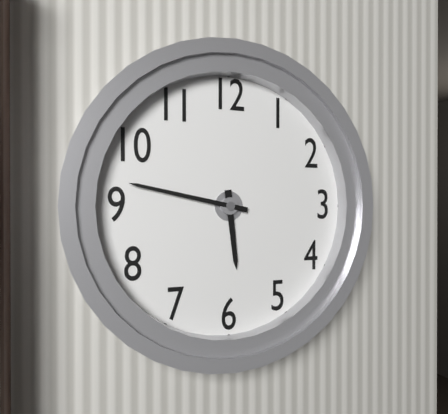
5:47
